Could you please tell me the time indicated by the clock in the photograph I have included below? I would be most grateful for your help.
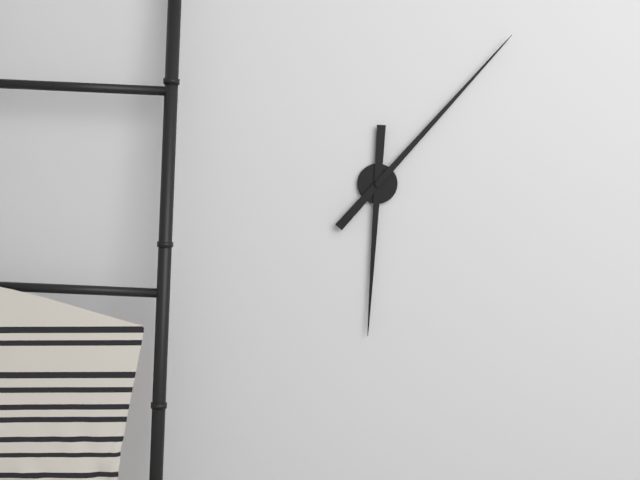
6:07
